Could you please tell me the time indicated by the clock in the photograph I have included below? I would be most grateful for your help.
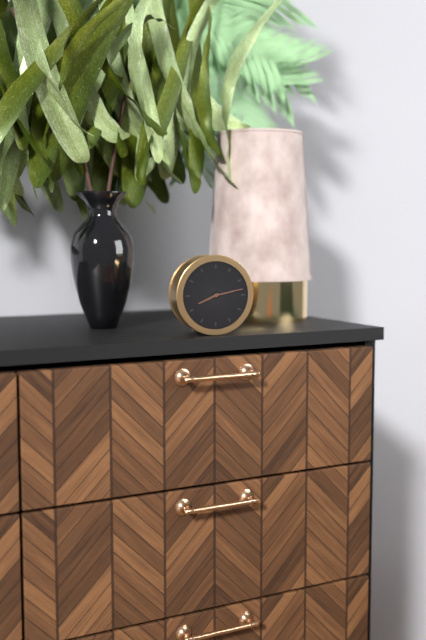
8:13
